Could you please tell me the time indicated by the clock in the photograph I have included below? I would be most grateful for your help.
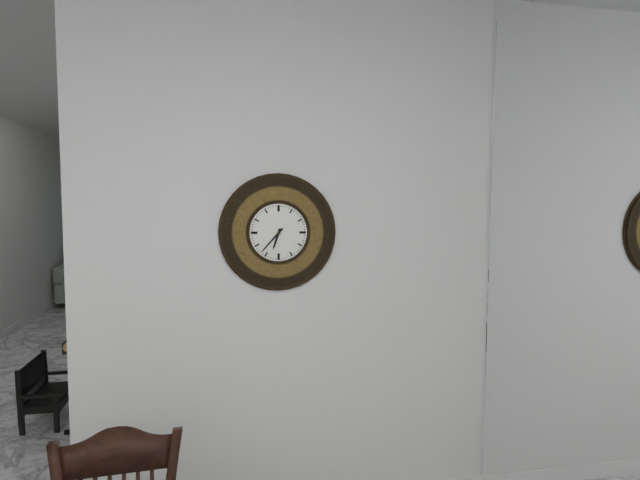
6:37
